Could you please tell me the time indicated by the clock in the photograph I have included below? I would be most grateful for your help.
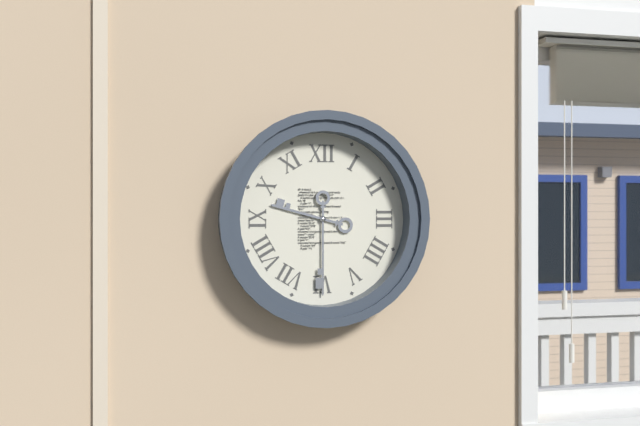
9:30
